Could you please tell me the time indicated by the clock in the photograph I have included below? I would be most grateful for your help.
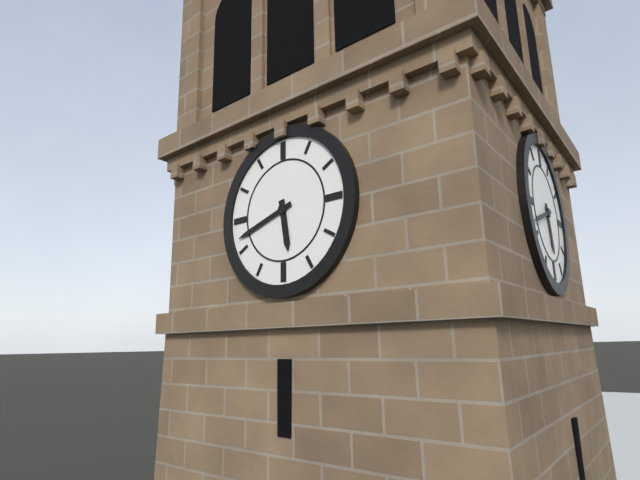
5:42
